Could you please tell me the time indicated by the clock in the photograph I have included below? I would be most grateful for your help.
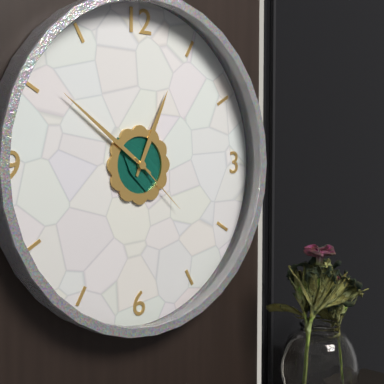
12:51:22
